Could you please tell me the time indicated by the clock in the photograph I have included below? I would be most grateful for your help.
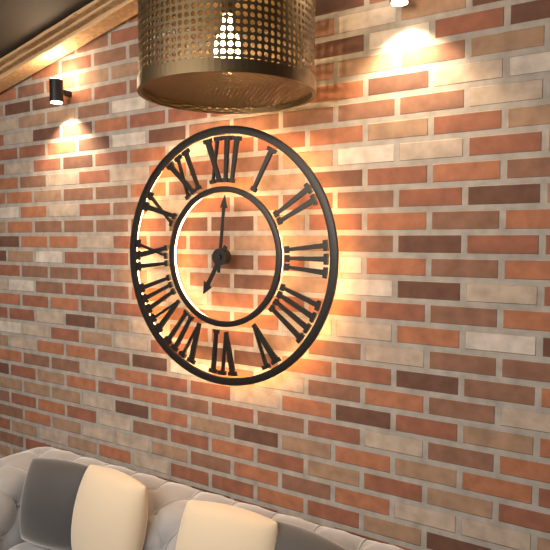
7:01
